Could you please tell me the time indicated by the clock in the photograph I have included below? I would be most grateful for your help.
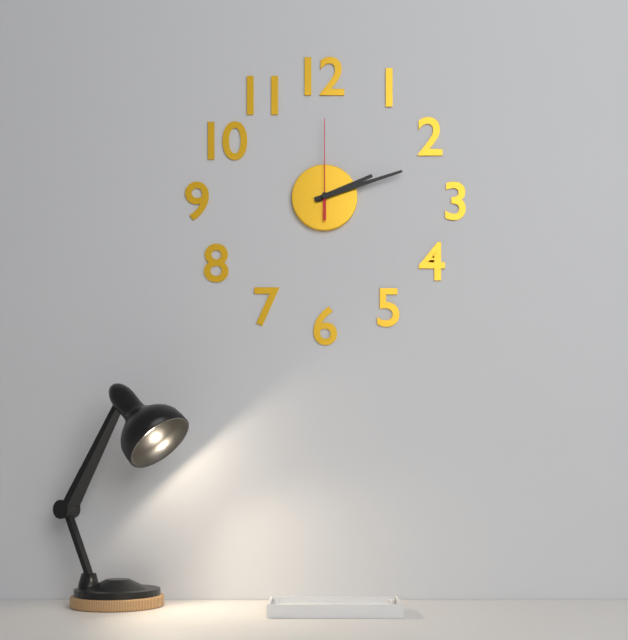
2:12:00
